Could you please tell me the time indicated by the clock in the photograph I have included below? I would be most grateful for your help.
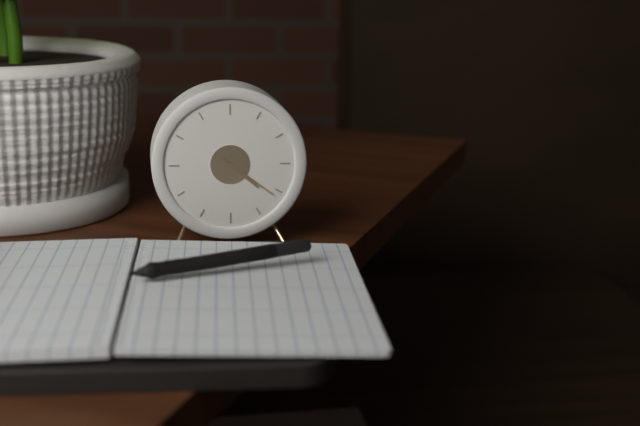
4:21
